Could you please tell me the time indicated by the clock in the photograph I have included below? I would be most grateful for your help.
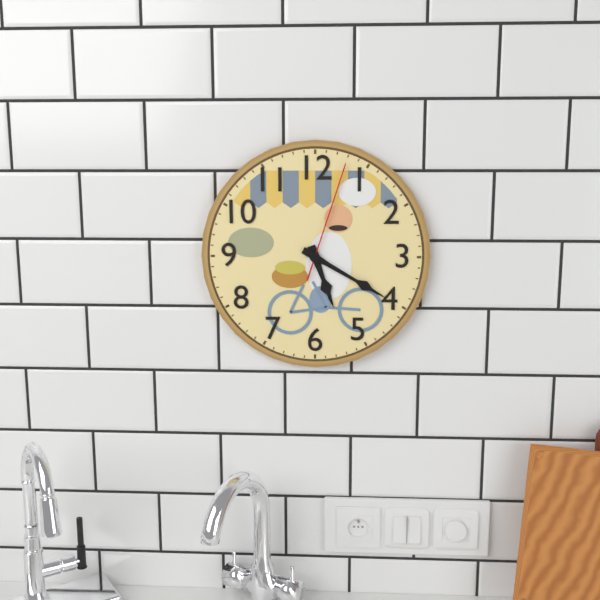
5:20:03
